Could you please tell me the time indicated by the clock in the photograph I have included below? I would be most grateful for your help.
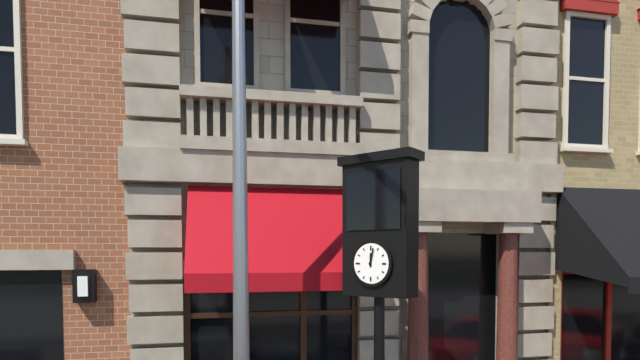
12:02
